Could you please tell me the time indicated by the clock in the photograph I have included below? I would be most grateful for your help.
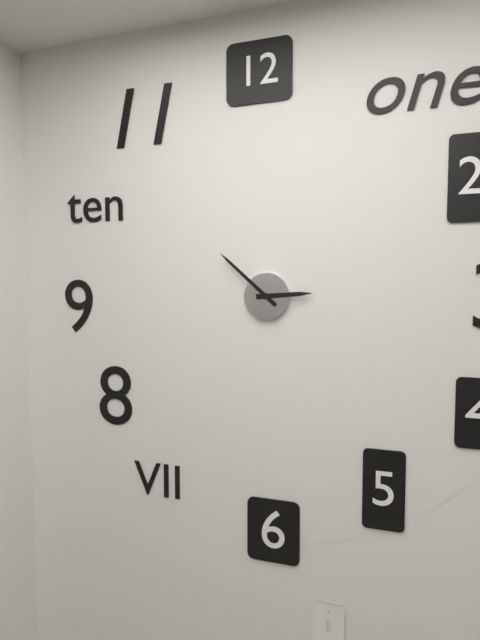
2:52
